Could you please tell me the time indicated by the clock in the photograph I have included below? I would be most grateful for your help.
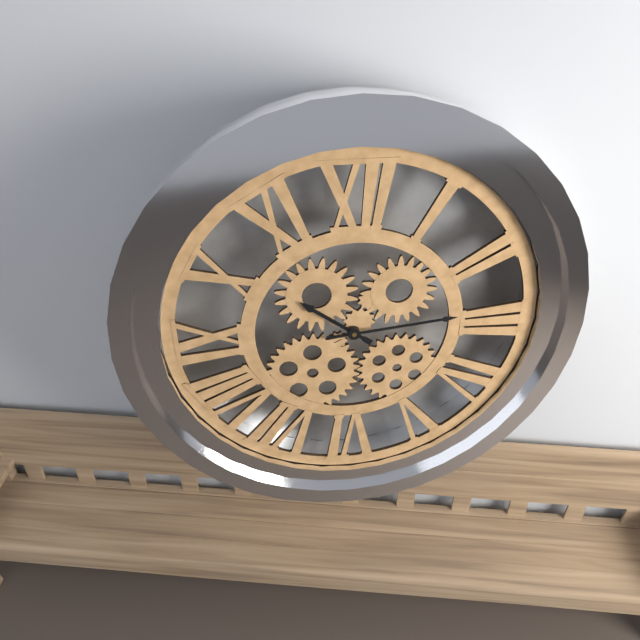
10:14
